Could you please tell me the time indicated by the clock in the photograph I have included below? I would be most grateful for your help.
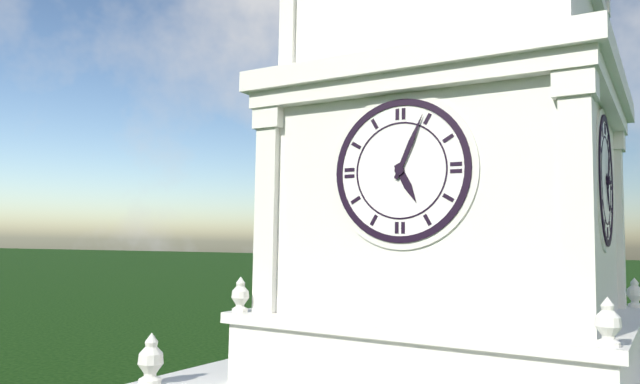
5:04
